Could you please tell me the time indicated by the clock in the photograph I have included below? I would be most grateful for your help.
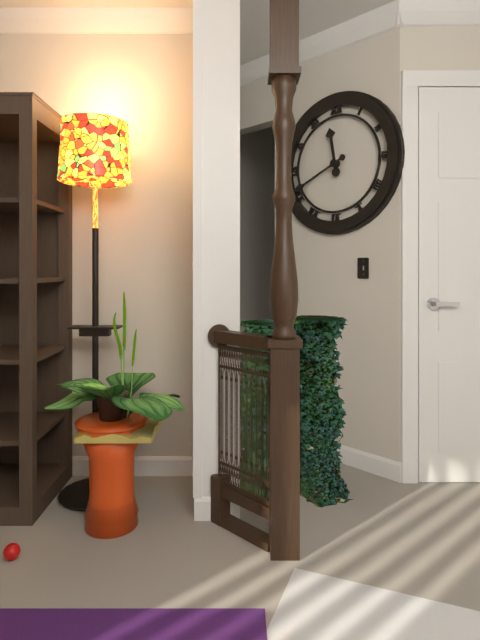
11:41
